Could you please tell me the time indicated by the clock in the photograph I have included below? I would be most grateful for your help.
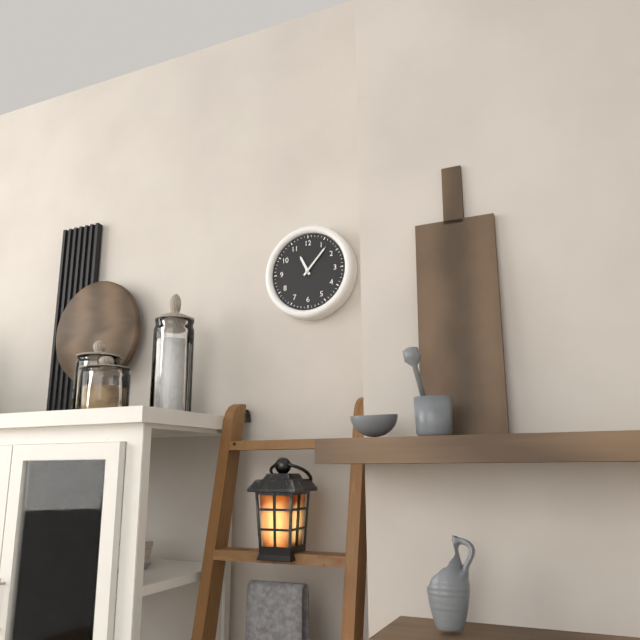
11:07
